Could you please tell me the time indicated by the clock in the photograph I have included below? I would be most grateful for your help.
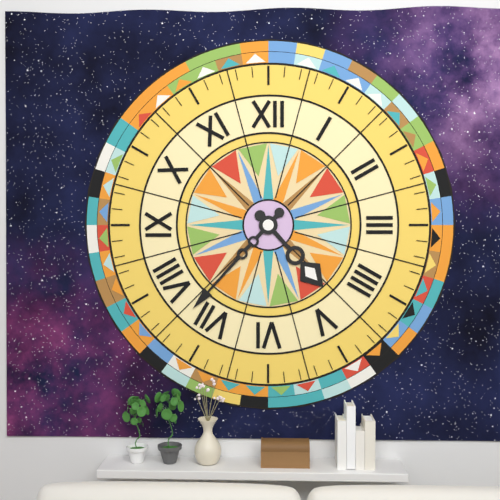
4:37
